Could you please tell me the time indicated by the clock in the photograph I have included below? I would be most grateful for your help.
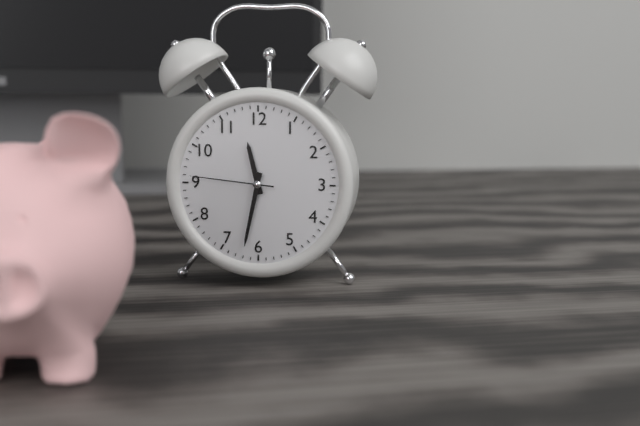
11:32:46
